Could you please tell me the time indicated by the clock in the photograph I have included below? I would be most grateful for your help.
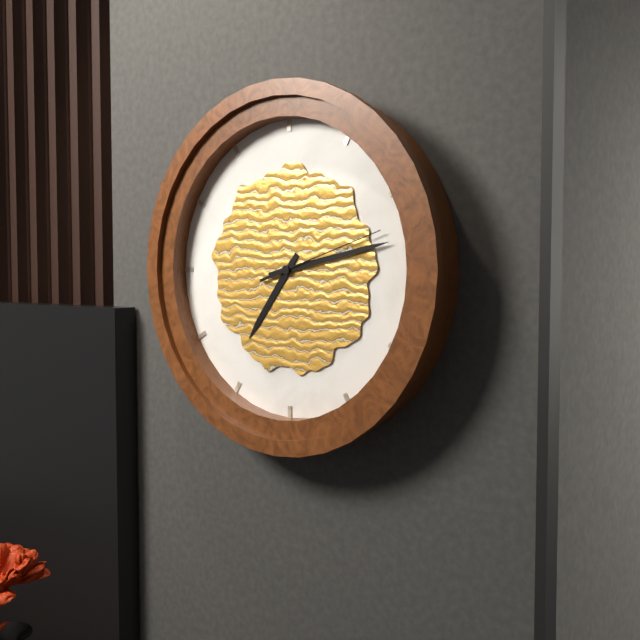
7:13:12
